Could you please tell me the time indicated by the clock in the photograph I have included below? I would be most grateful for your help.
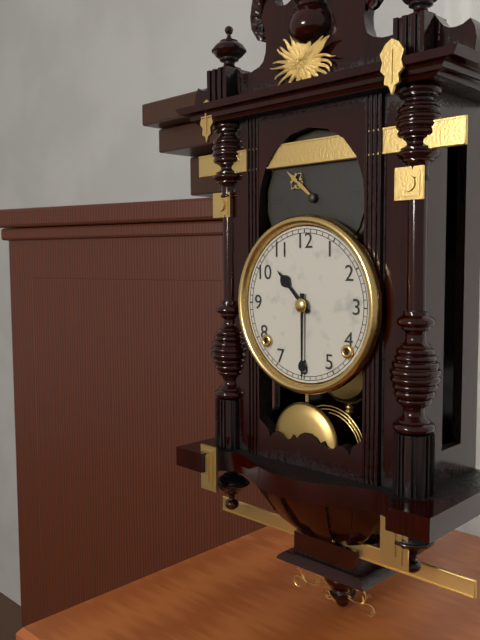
10:30
